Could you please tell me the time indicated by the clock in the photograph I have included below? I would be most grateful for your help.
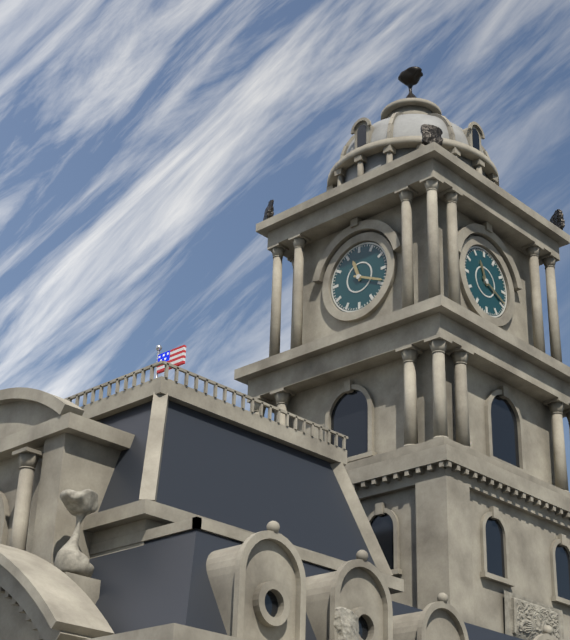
11:19
